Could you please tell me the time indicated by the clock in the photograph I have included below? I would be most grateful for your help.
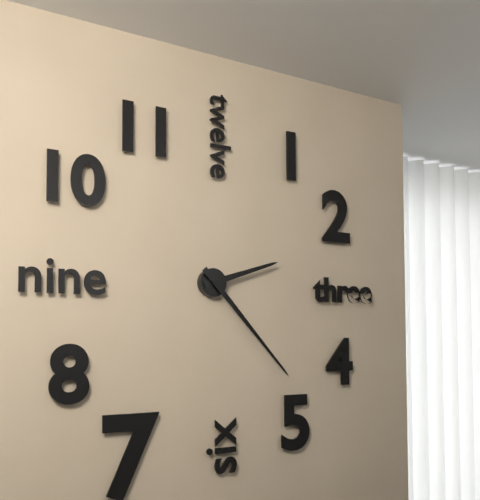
2:23
